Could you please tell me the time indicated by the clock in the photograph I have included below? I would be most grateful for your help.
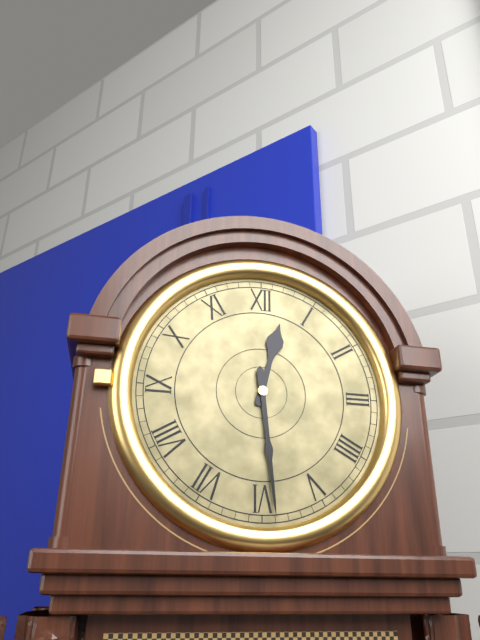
12:29
